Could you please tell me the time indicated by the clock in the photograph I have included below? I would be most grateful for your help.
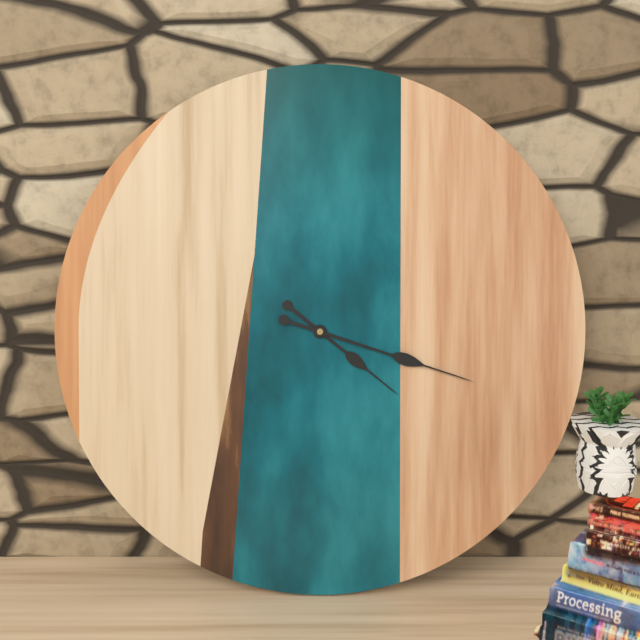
4:18
